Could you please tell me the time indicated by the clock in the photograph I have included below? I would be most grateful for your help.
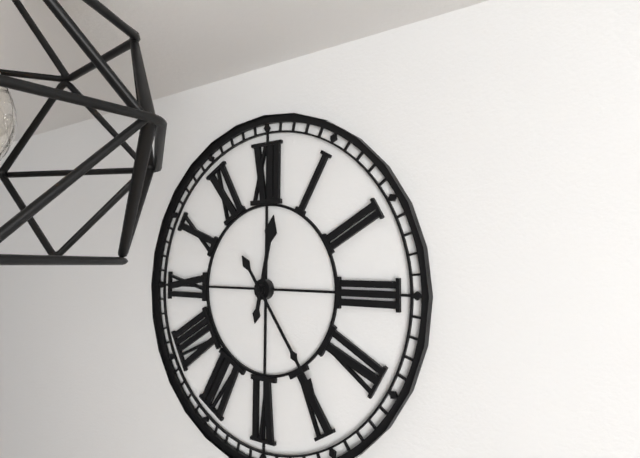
12:24
